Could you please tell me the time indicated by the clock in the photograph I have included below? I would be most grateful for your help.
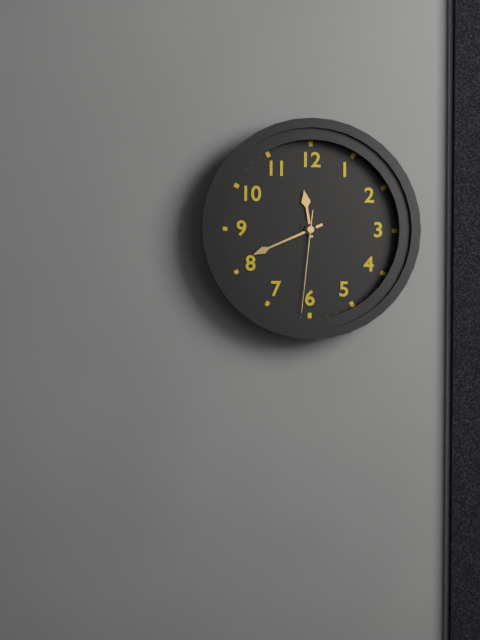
11:41:31
